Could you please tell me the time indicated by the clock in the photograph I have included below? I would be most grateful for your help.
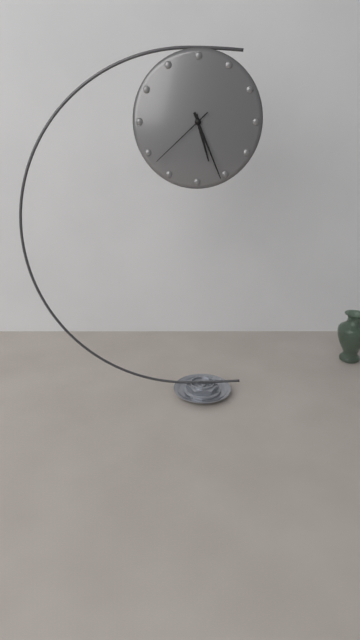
5:26:38
